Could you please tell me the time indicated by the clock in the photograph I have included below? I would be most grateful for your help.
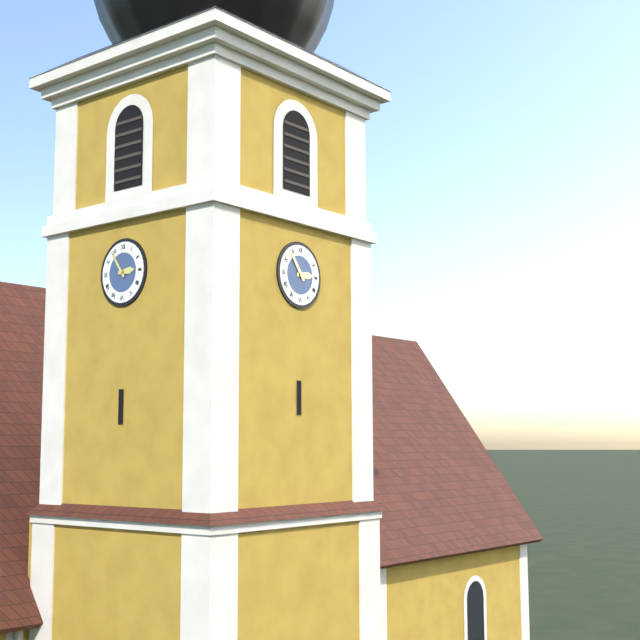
2:54
